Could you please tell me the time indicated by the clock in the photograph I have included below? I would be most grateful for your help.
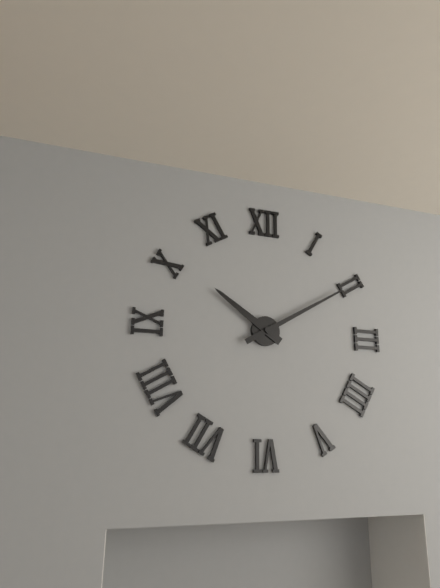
10:10
